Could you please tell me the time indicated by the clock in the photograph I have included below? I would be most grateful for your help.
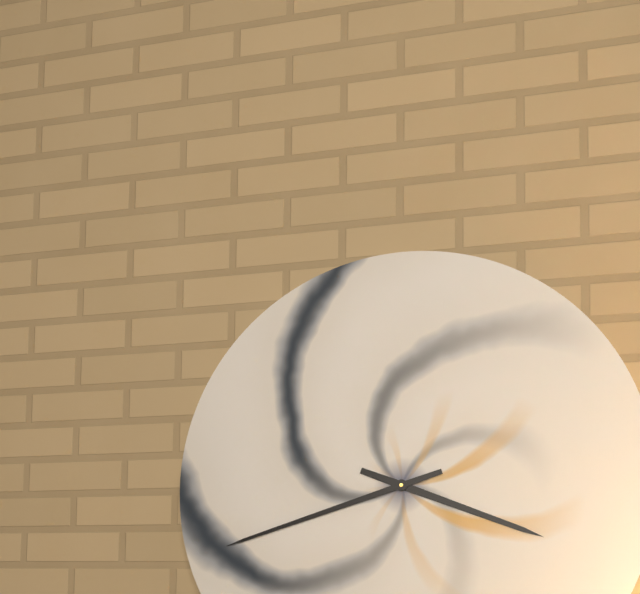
3:42
